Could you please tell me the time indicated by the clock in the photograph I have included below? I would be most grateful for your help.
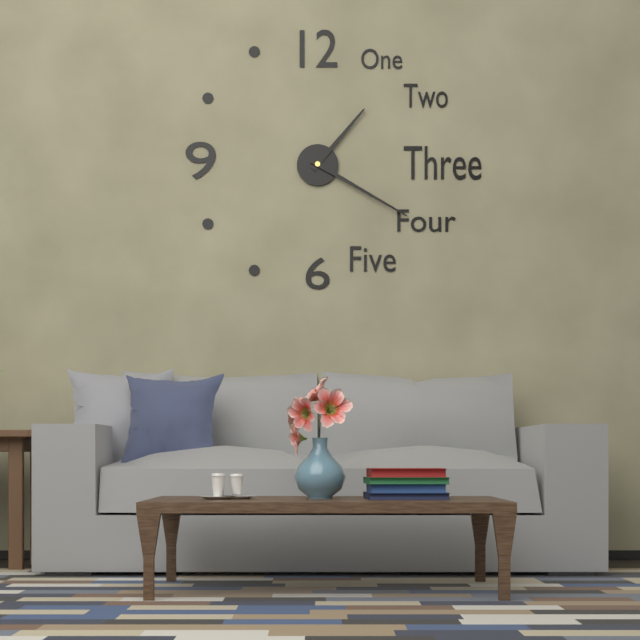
1:20
